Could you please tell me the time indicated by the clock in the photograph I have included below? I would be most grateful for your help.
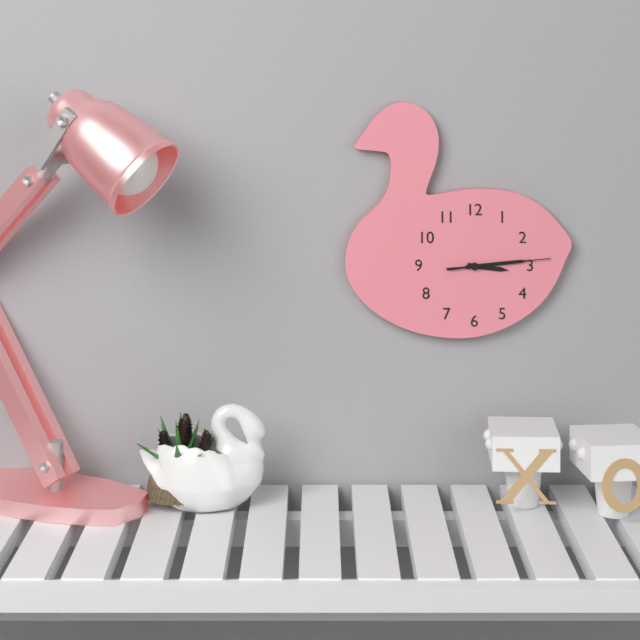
3:14:14
